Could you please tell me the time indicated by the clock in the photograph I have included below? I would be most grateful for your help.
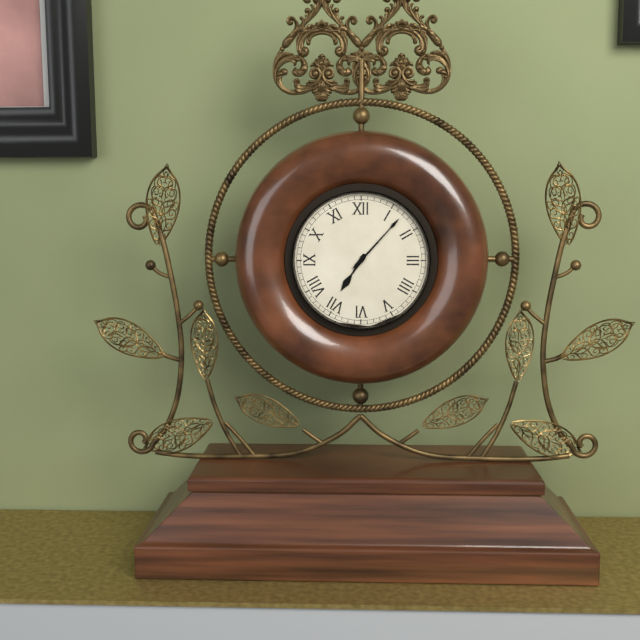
7:07
